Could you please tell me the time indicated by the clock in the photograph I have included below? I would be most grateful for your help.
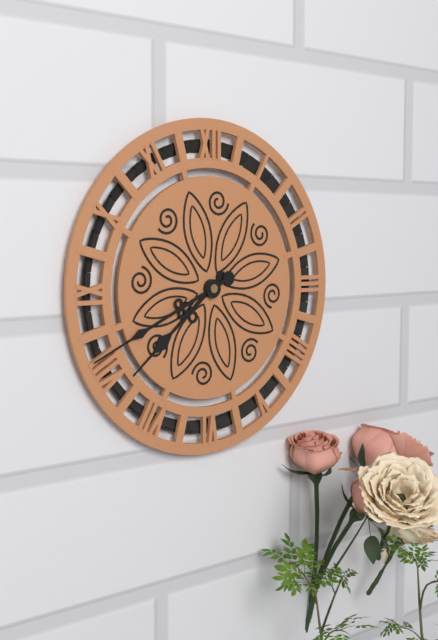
7:41
